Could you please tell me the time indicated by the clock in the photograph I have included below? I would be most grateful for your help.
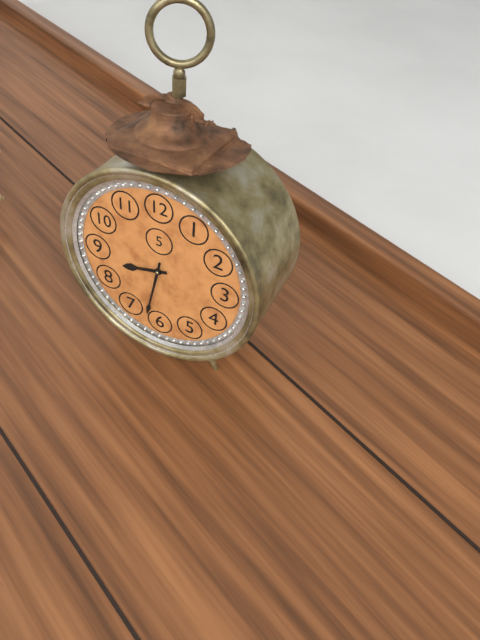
8:32
